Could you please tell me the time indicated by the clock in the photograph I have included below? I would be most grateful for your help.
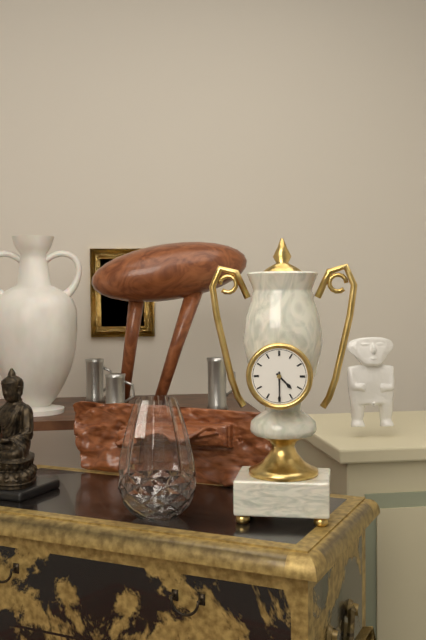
4:30
